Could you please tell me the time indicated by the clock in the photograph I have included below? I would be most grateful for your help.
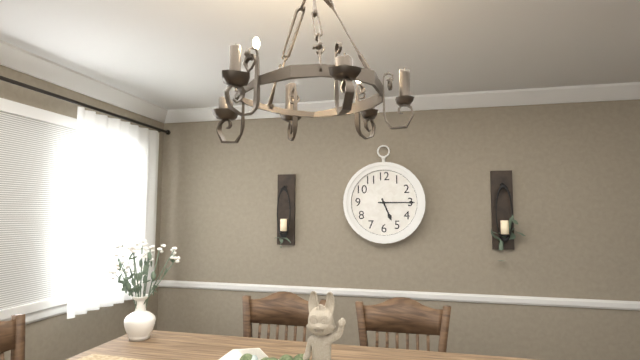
5:15
